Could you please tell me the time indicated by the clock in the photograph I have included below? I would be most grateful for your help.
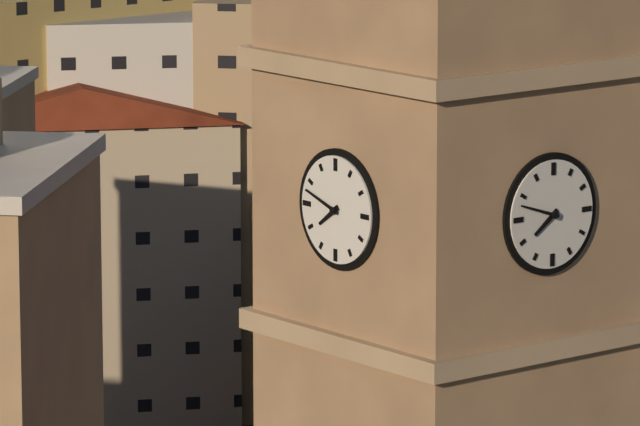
7:48
